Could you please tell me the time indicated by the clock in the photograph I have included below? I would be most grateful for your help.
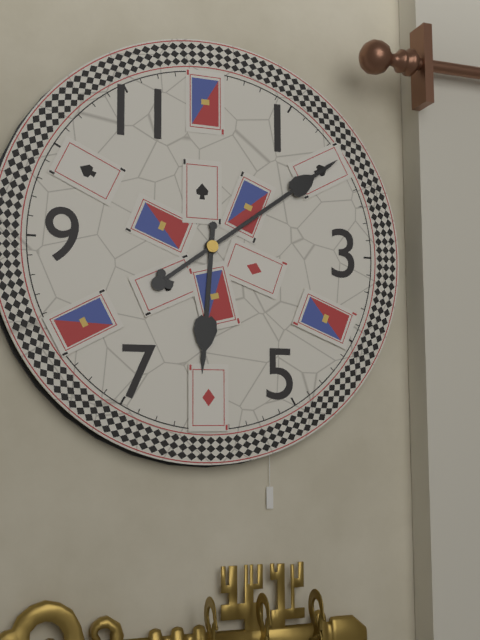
6:09
